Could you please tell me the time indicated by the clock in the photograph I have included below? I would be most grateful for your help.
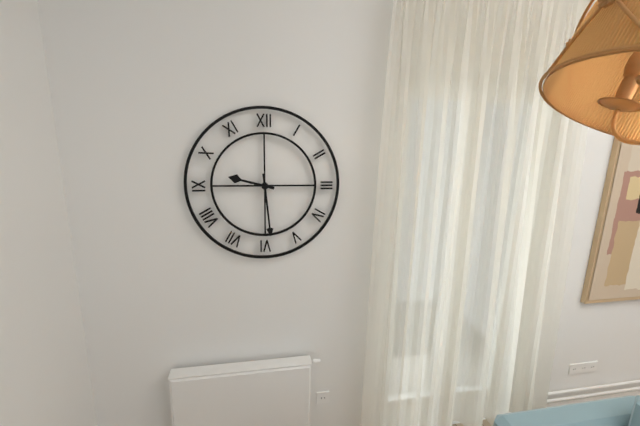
9:29
